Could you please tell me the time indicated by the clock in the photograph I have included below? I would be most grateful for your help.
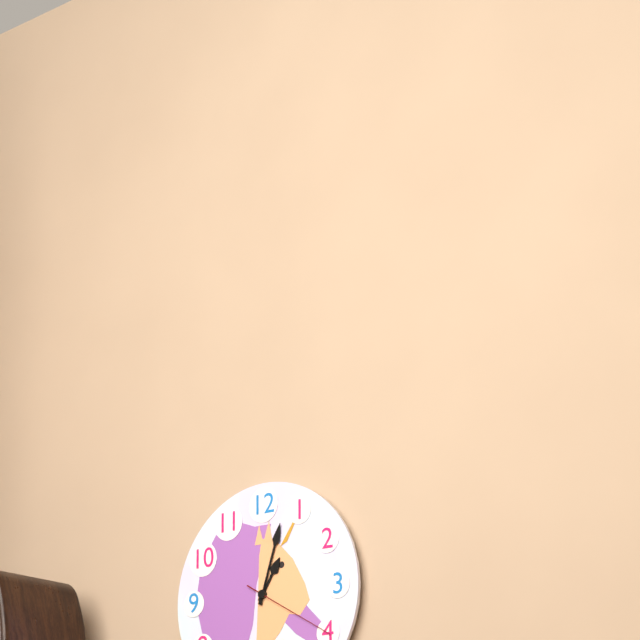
1:03:20
